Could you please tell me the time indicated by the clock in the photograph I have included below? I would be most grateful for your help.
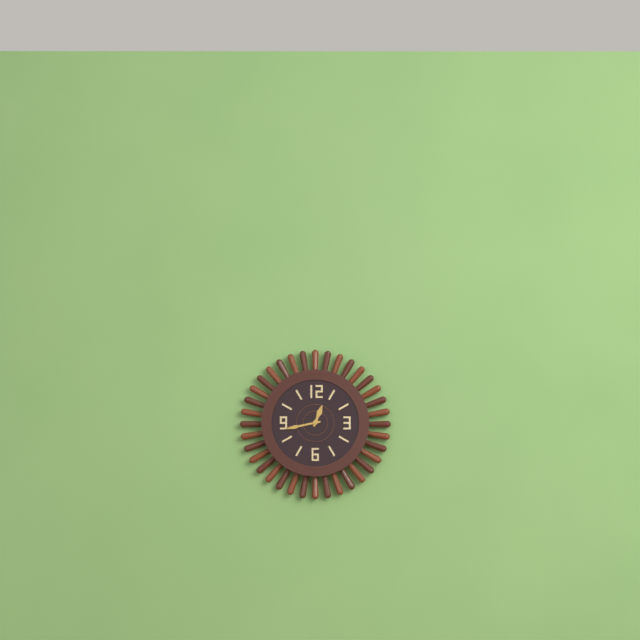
12:43
